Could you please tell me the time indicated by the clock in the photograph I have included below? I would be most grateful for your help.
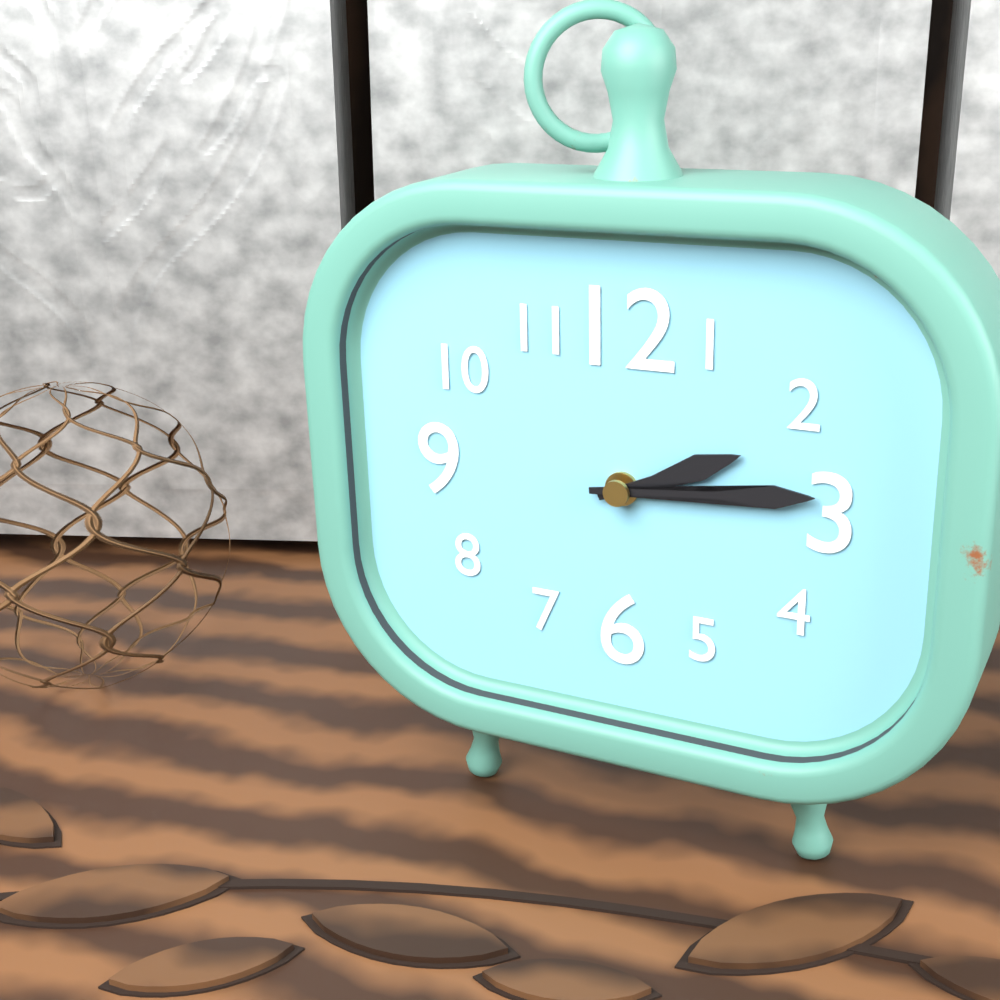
2:14
